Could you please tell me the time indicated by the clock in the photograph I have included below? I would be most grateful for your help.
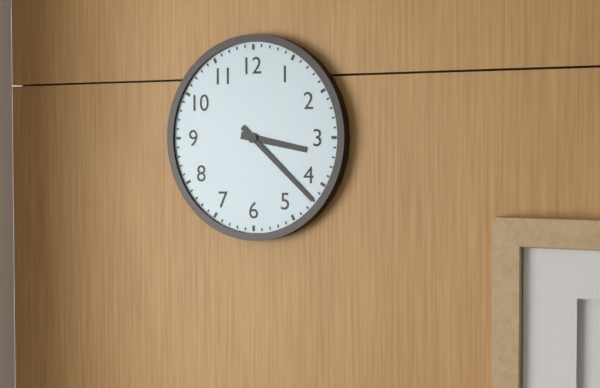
3:22
